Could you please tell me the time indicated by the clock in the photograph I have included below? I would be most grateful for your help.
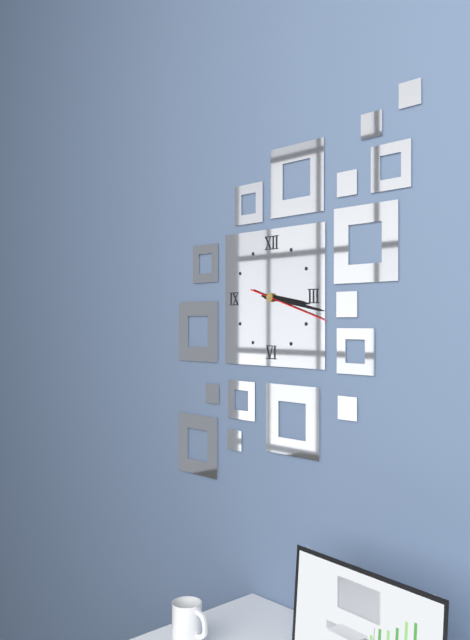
3:17:18
